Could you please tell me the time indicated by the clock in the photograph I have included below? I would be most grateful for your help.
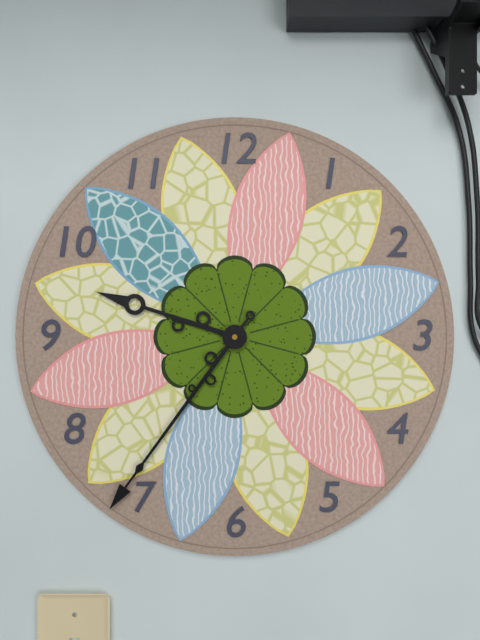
9:36
